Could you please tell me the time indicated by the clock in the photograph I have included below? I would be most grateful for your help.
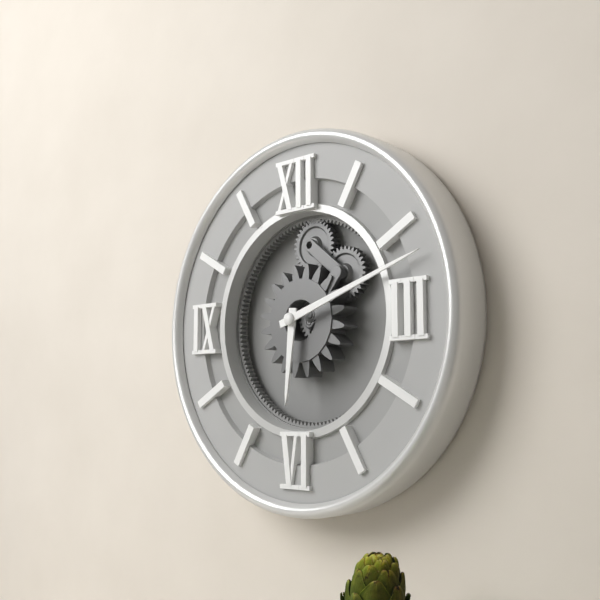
6:12
